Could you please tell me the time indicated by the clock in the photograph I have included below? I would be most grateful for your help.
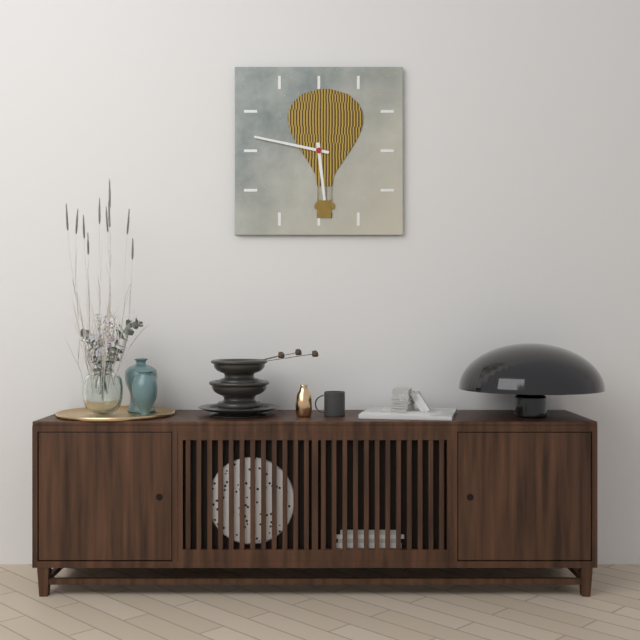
5:47
